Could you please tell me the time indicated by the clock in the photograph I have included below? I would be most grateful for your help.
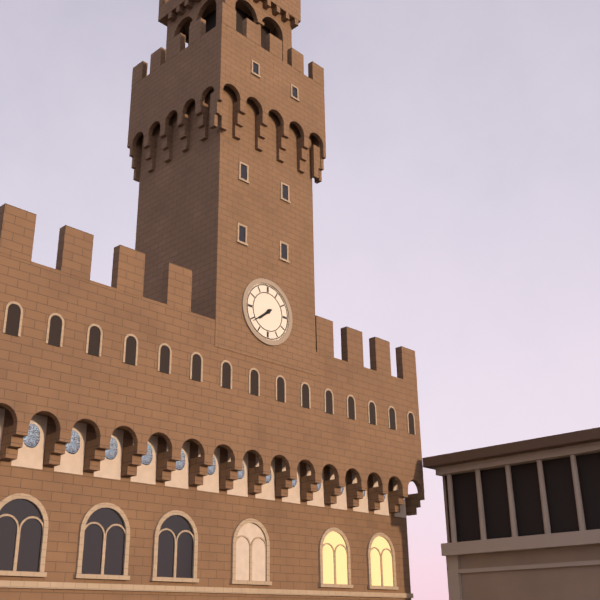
7:39
